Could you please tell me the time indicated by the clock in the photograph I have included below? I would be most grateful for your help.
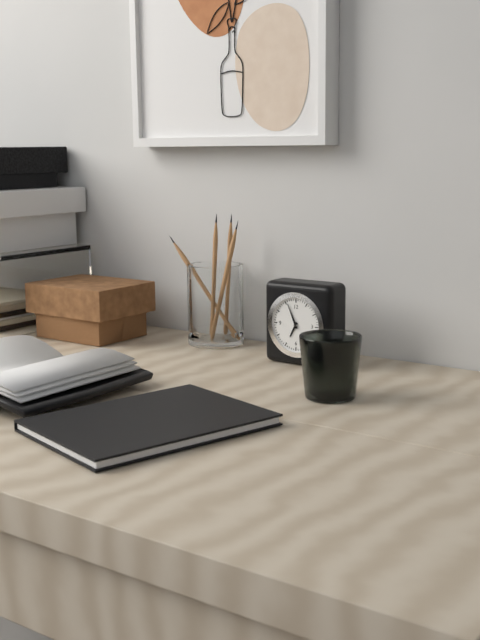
6:56
